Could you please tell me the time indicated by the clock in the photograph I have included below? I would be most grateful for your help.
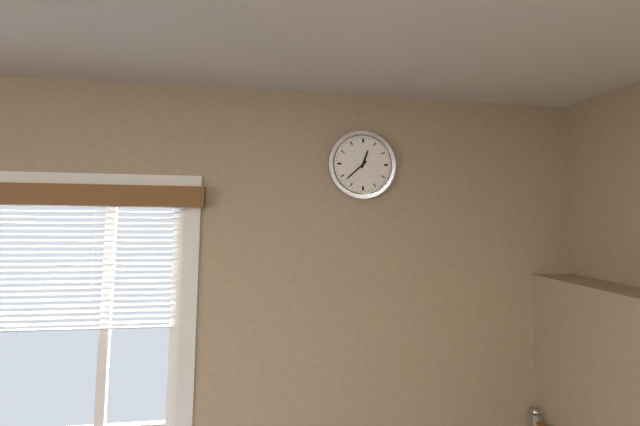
12:38
